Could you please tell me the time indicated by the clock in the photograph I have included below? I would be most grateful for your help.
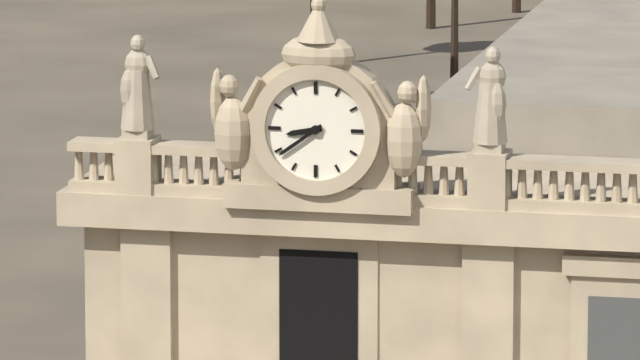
8:39
